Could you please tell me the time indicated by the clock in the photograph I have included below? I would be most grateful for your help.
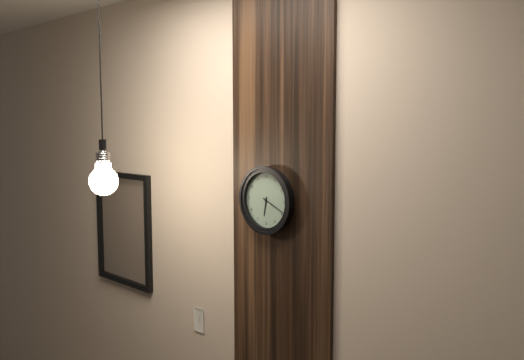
6:19
